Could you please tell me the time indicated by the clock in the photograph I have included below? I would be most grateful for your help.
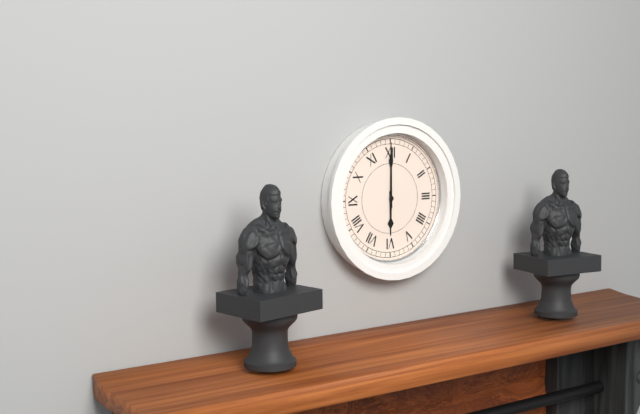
6:00
